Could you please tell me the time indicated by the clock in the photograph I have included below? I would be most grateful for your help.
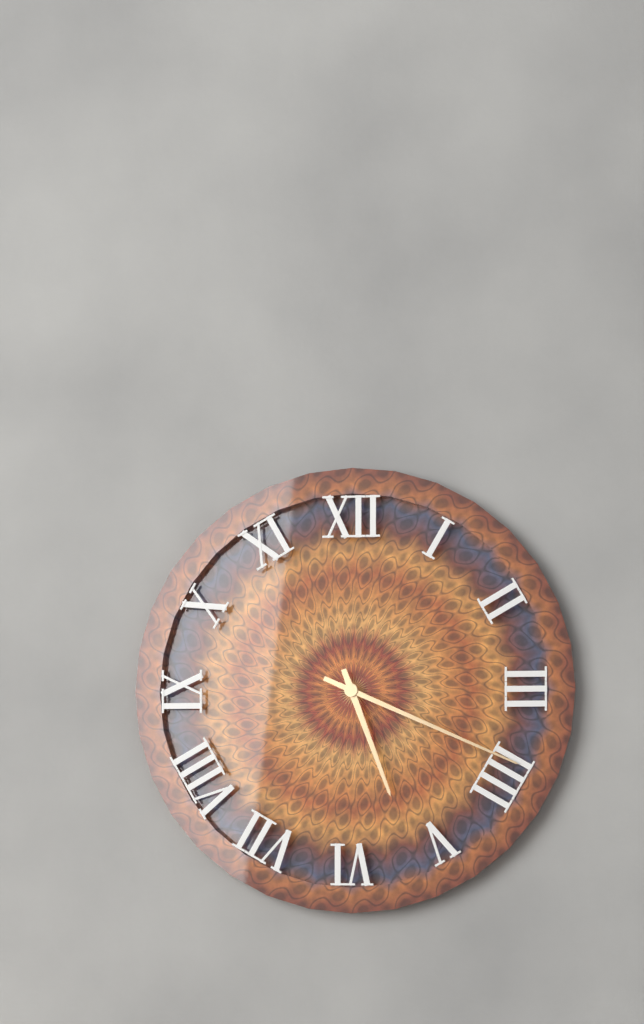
5:19
